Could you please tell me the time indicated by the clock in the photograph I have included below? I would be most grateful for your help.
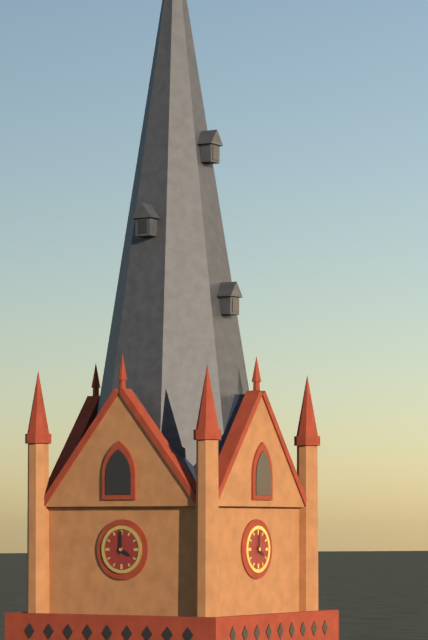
4:00
